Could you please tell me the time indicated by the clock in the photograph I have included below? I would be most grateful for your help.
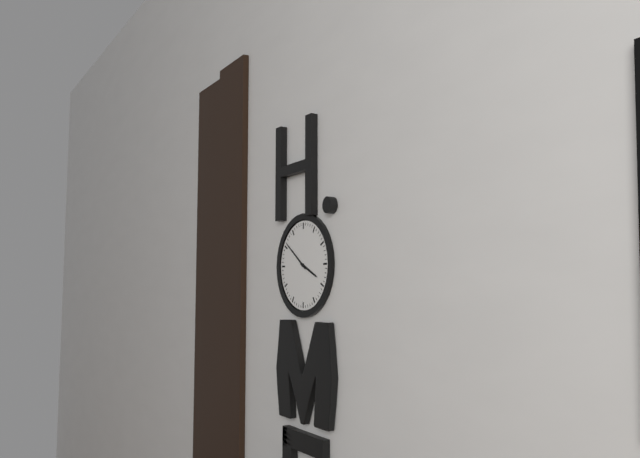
3:51
